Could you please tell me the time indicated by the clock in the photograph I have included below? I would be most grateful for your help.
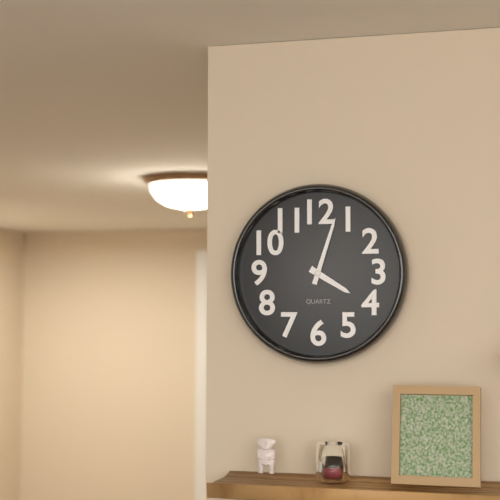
4:03
